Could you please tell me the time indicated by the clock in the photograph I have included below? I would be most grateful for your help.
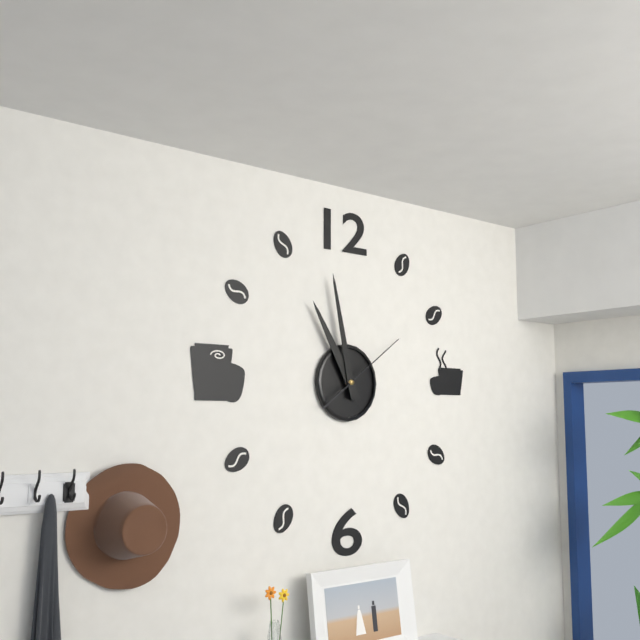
10:58:09
